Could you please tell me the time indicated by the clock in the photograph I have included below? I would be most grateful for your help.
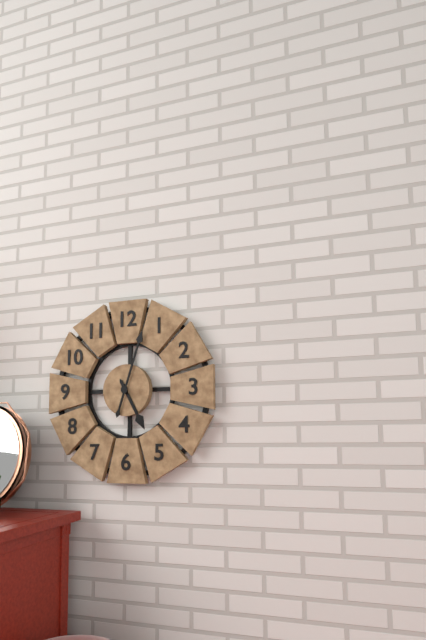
5:03
